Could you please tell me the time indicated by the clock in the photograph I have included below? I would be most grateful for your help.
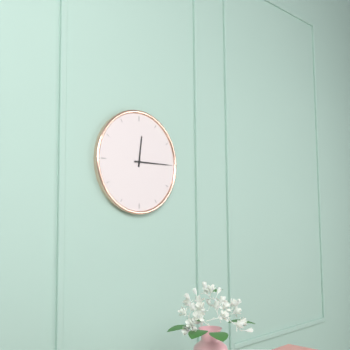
12:15
